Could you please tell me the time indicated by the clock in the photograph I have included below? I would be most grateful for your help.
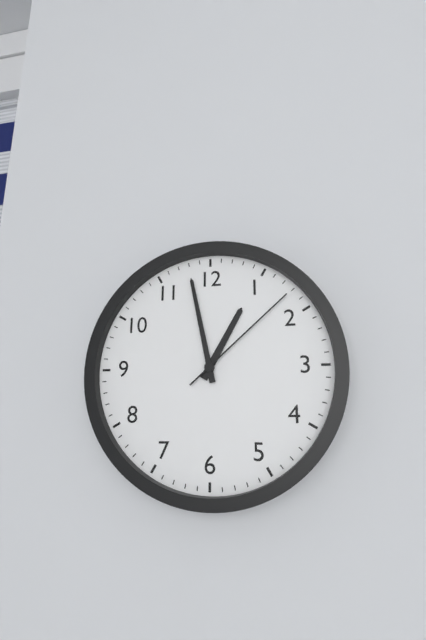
12:58:08
